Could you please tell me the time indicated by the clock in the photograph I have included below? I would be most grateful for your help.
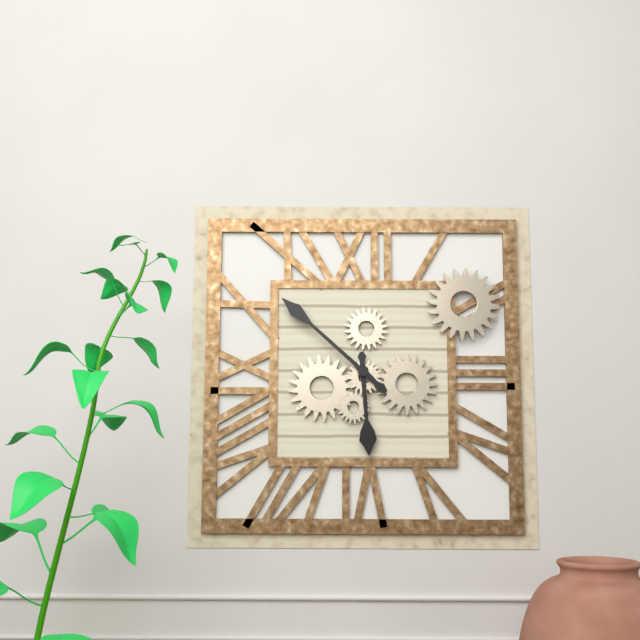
5:52
